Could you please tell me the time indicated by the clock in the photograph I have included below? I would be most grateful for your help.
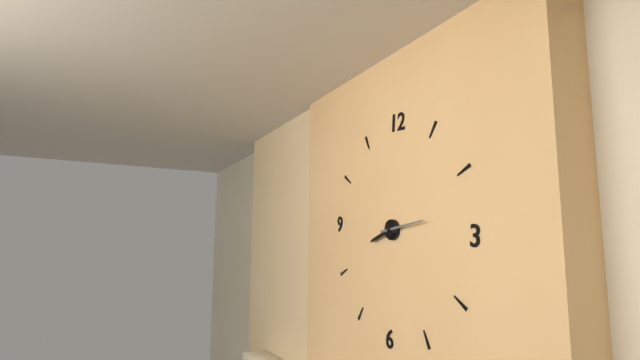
8:13
